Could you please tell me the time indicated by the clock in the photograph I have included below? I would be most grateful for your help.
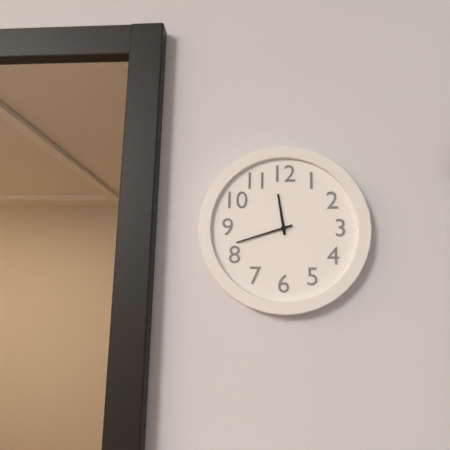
11:42
